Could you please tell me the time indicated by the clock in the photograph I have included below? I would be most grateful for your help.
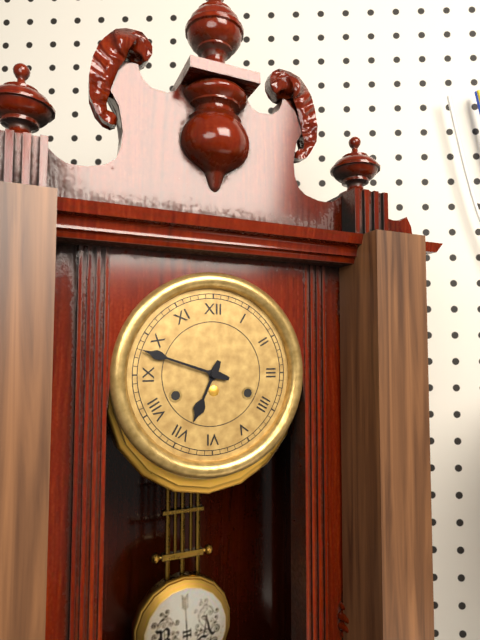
6:48
